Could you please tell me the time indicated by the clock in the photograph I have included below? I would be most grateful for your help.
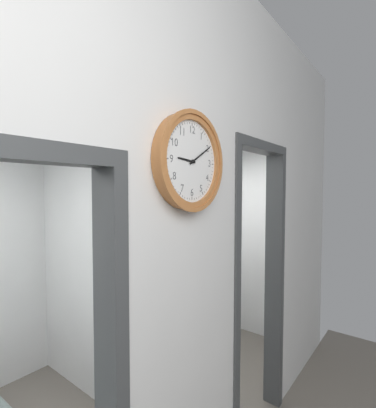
9:10
